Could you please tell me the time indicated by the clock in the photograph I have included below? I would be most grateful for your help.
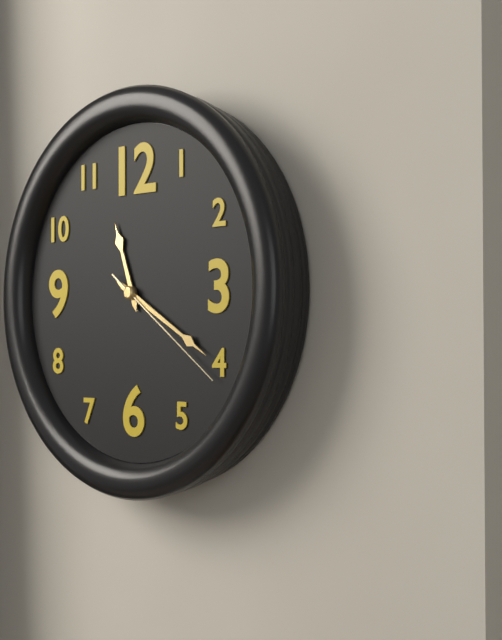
11:20:21
